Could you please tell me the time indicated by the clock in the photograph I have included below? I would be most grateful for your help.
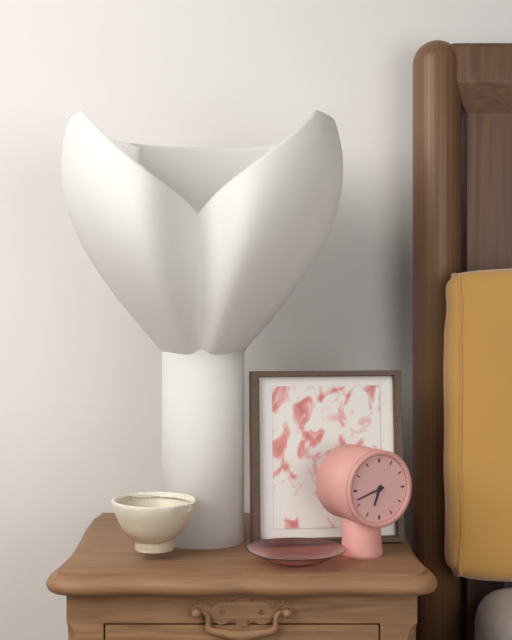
6:42
